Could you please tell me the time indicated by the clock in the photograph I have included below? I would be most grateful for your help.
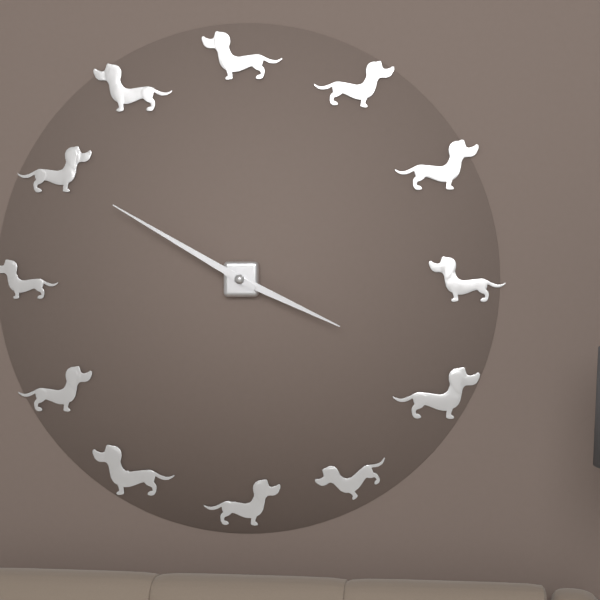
3:50
